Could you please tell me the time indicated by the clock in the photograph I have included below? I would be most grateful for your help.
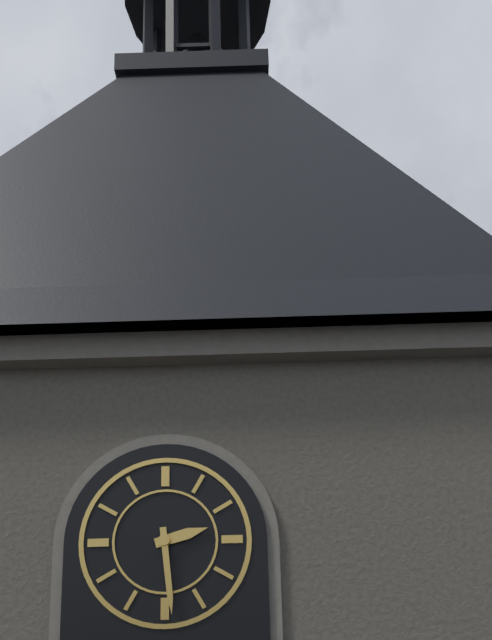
2:29
